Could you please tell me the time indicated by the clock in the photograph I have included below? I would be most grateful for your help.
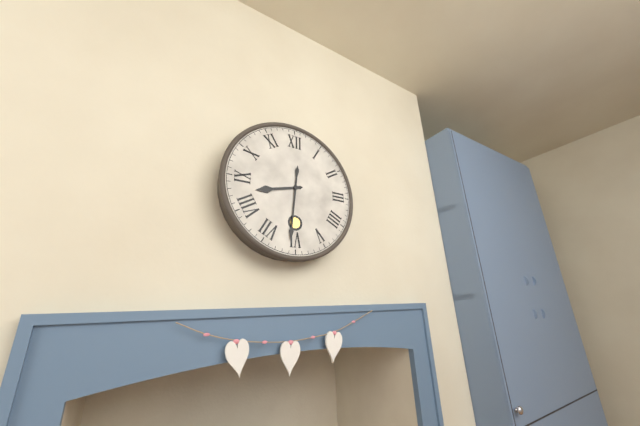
8:31
